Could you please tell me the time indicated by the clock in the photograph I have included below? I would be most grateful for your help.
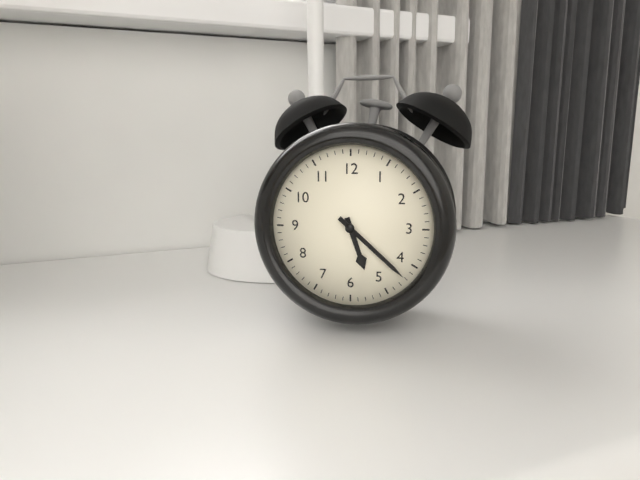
5:22
